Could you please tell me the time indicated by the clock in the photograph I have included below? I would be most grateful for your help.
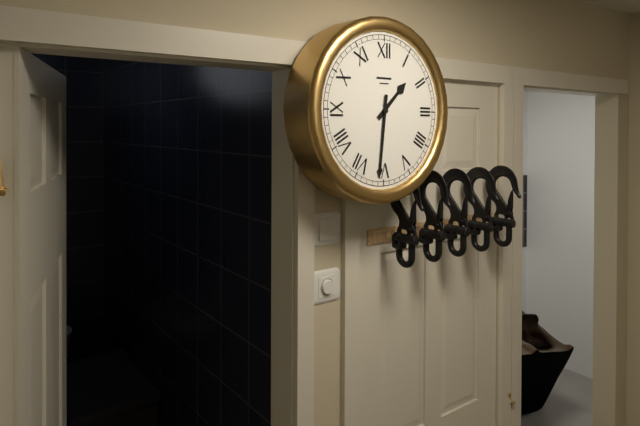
1:31
